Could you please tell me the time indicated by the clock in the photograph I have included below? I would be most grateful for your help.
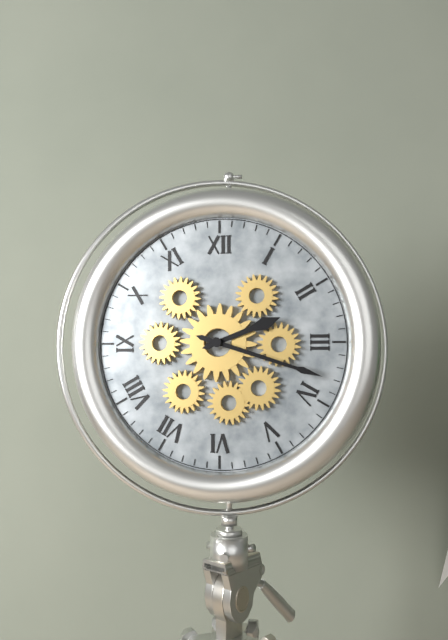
2:18
